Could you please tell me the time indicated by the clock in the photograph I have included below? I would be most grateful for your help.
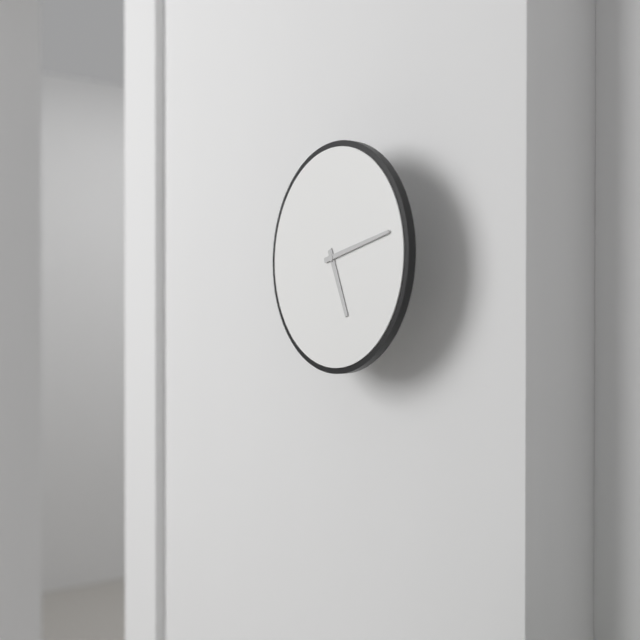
5:13
